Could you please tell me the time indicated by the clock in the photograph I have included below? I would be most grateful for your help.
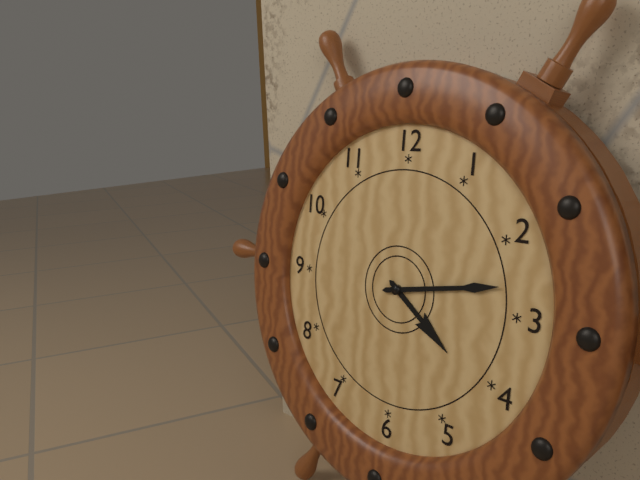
4:13
